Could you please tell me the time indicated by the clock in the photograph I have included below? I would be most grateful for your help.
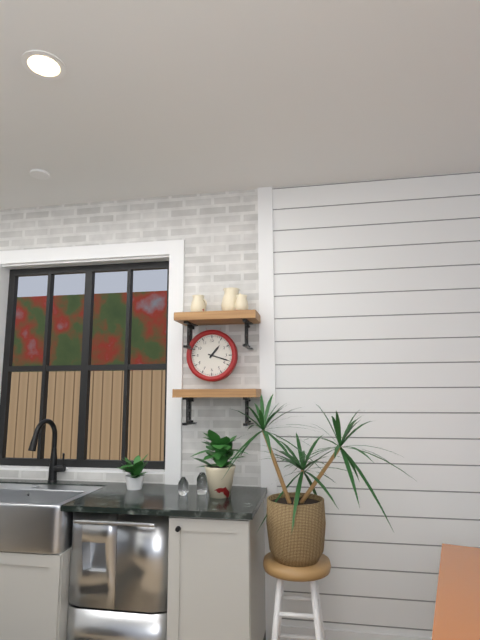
1:18
